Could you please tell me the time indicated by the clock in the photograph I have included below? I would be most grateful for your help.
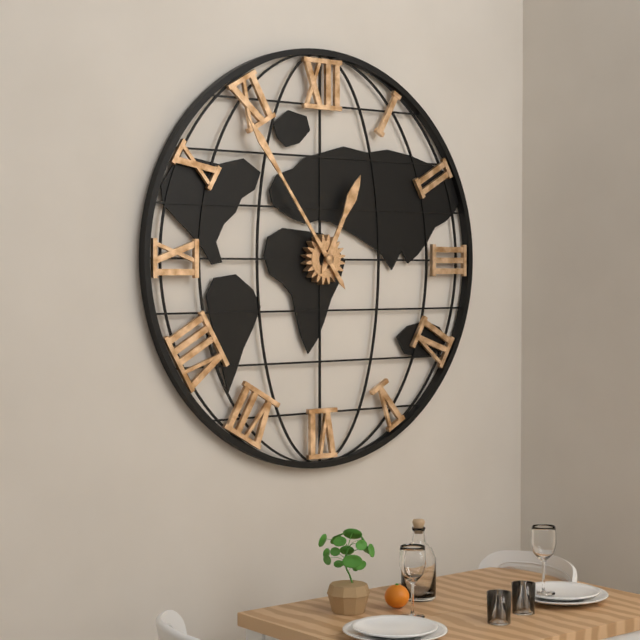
12:54
